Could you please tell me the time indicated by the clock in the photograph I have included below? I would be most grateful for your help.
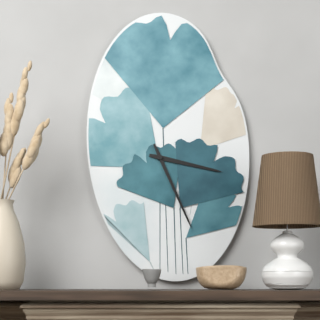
3:26
